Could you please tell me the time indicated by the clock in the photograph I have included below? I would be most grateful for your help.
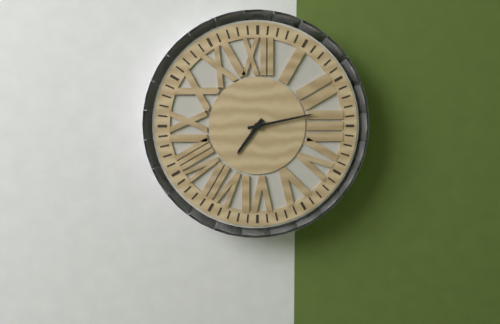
7:13
